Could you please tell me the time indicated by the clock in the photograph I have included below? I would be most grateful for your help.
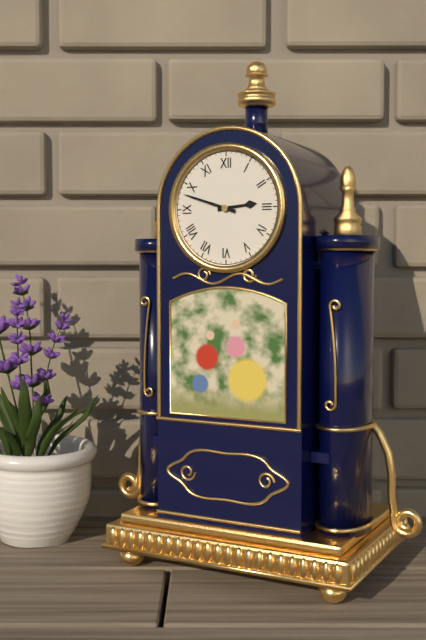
2:48
